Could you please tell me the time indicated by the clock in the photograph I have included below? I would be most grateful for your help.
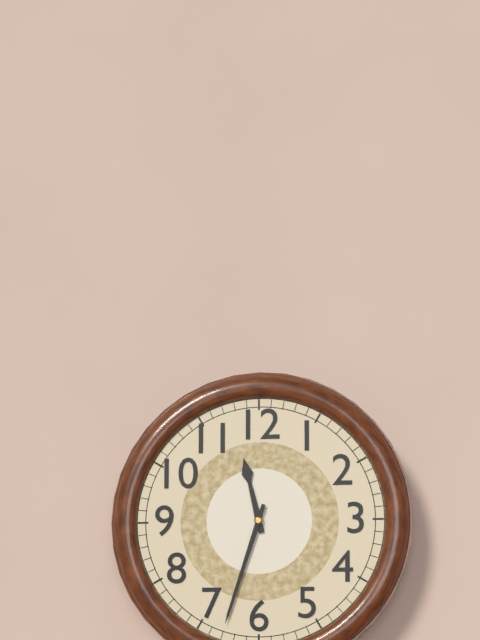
11:33
